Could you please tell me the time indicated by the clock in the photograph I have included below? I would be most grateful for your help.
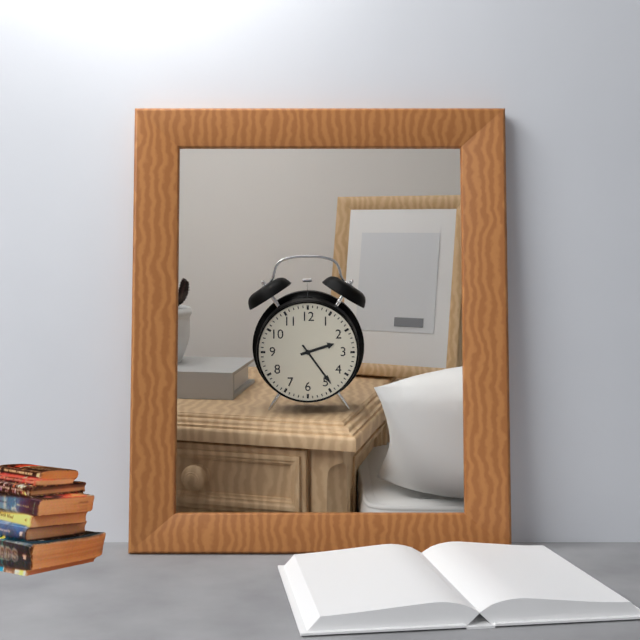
2:24
